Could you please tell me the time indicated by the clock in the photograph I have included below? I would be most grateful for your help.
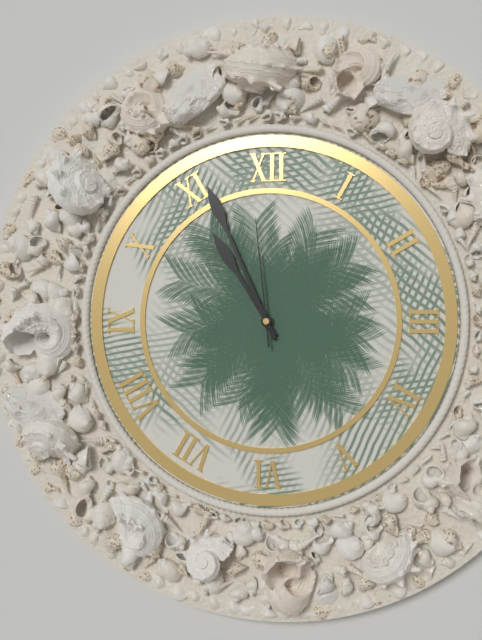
10:56:59
